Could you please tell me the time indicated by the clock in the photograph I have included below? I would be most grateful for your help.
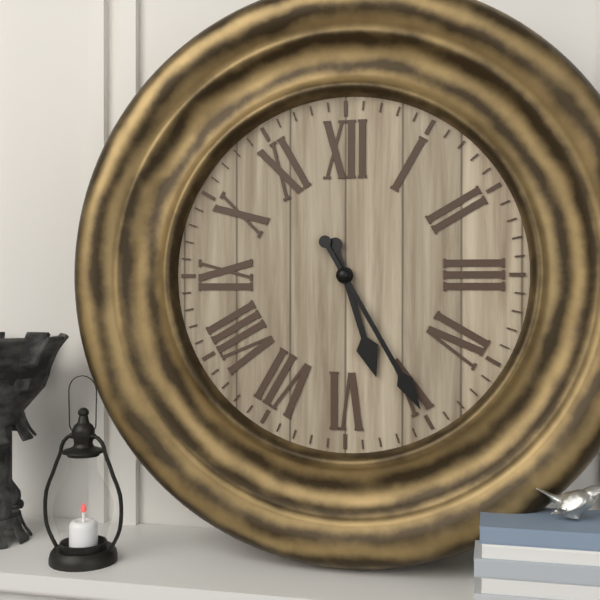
5:25
